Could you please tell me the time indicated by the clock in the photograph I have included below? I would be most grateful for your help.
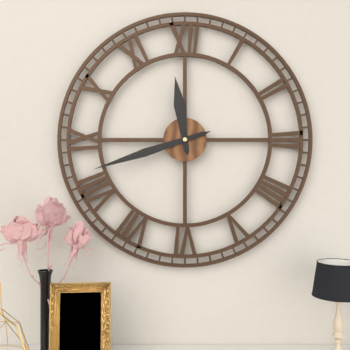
11:42
